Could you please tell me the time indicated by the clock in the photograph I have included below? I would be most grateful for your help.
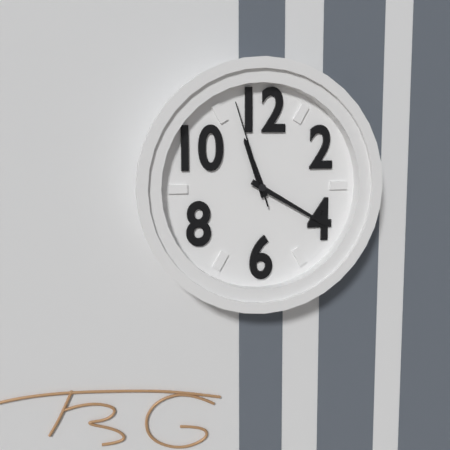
11:20:57
